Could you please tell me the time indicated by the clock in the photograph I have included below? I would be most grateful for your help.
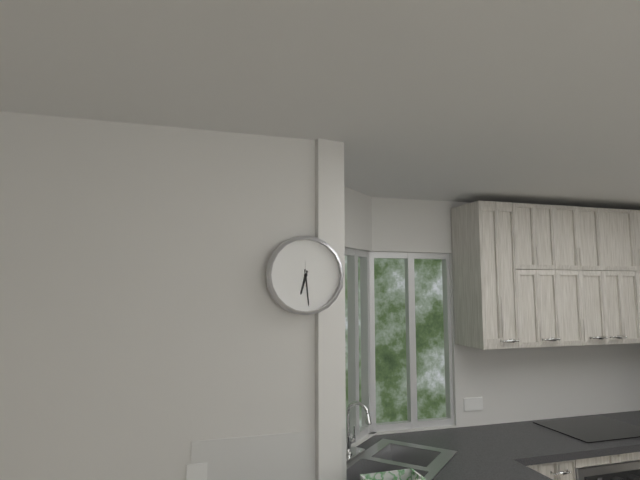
6:29
